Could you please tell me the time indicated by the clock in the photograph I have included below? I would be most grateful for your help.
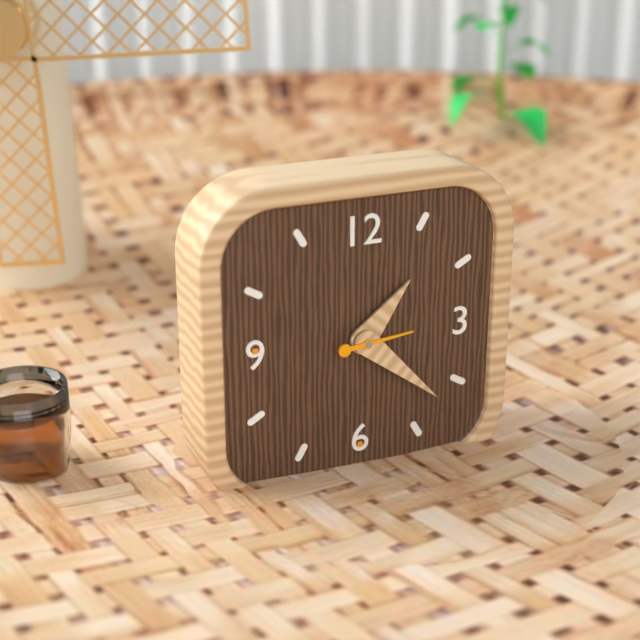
1:22:14
